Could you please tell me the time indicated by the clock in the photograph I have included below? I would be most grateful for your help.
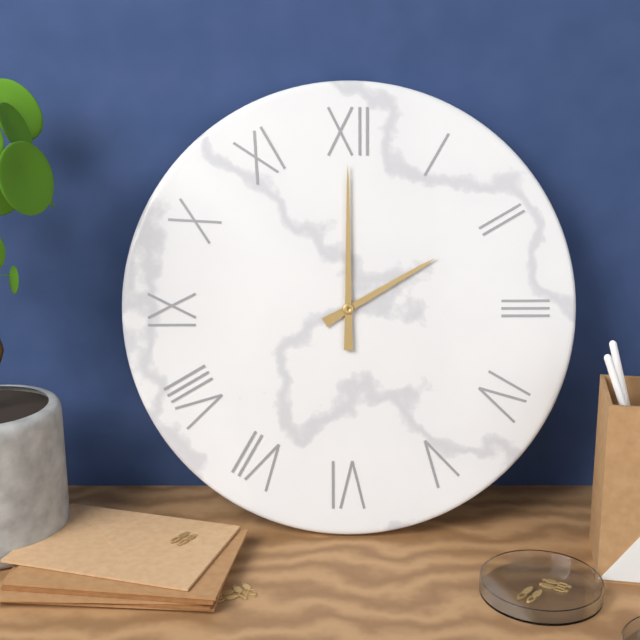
2:00
